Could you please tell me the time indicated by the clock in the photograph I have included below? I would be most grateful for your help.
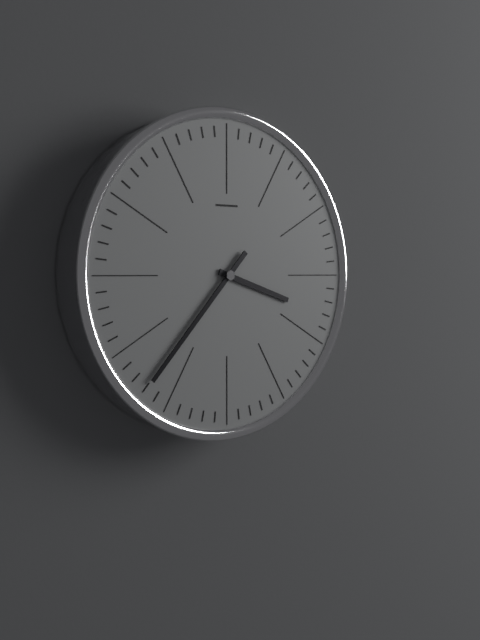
3:37
